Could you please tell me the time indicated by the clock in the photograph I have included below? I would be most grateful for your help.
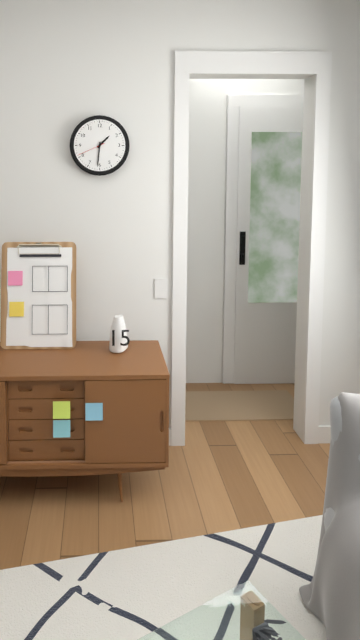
1:31
